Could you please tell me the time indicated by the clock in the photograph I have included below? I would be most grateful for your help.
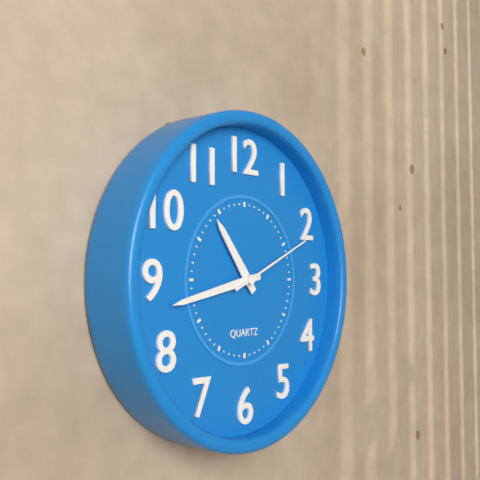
10:43:11
